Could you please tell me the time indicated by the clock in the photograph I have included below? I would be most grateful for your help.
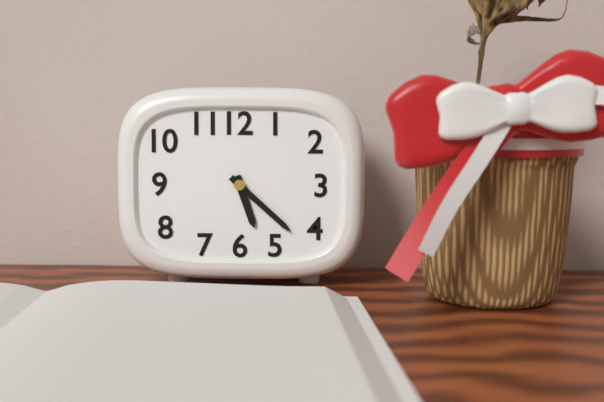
5:22
